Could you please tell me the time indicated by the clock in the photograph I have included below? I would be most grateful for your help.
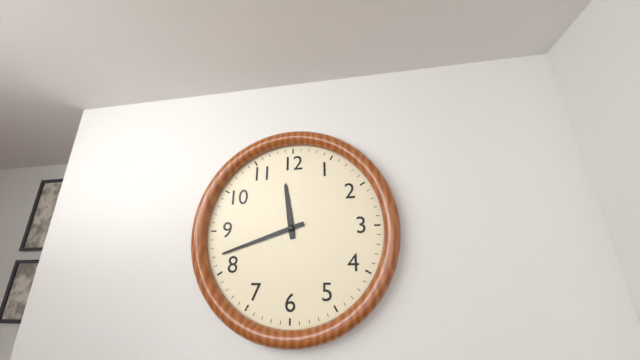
11:42
